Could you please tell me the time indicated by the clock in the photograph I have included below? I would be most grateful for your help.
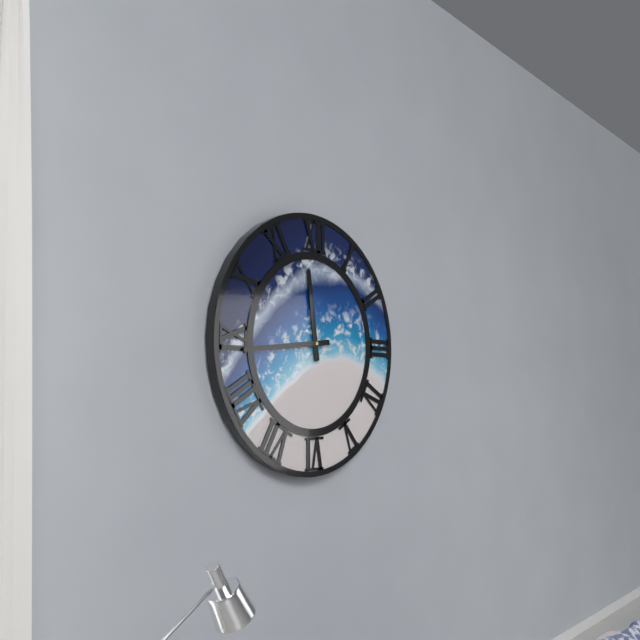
11:44
